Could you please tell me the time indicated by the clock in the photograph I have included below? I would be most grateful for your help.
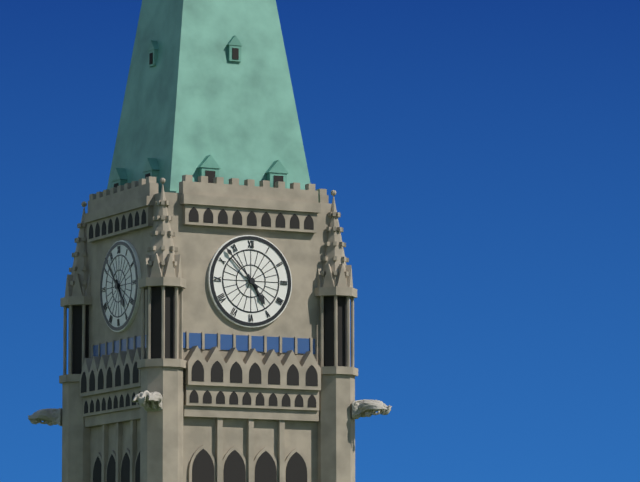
4:53
